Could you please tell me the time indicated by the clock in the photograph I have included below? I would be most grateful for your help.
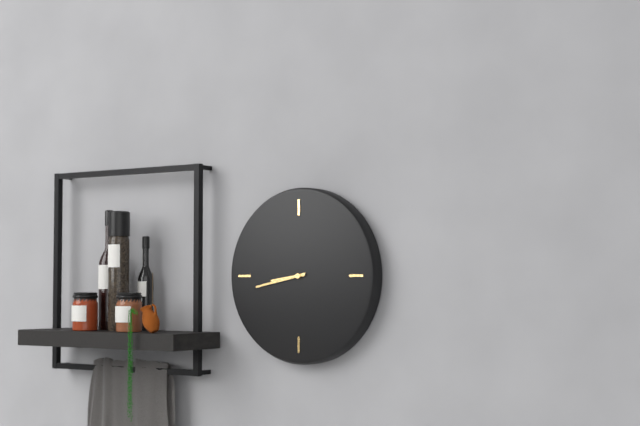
8:43
